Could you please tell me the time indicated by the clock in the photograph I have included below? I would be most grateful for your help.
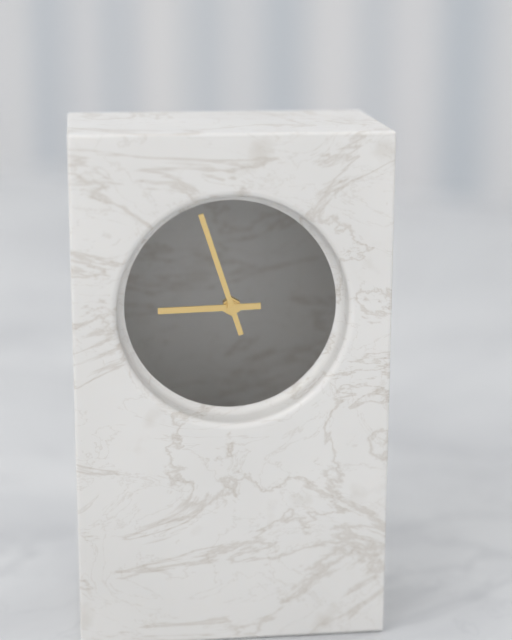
8:57
